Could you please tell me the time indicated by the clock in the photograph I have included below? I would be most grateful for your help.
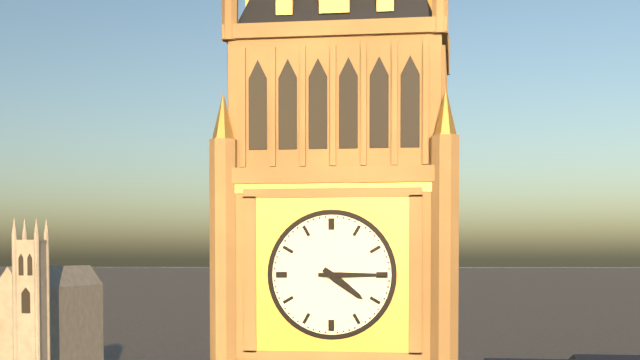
4:15
